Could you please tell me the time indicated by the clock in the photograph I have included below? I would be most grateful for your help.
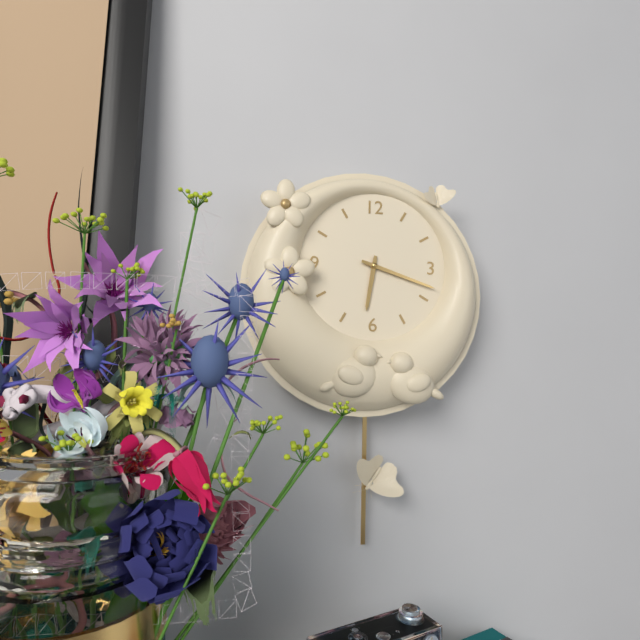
6:18
